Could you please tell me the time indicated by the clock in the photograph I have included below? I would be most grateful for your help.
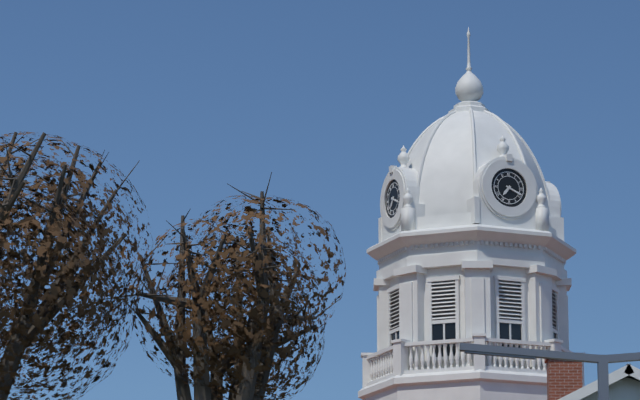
7:19
